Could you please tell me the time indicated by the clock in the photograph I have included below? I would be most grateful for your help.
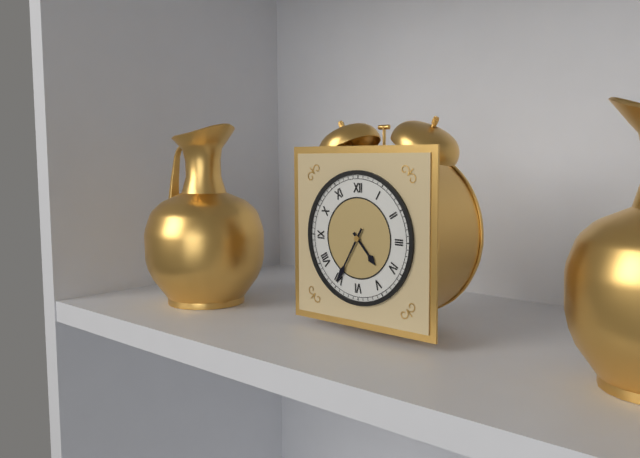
4:35
